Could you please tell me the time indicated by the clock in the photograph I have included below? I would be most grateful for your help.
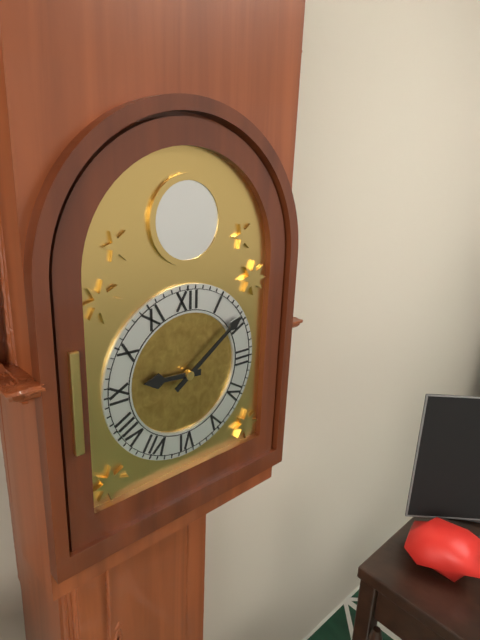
9:09
